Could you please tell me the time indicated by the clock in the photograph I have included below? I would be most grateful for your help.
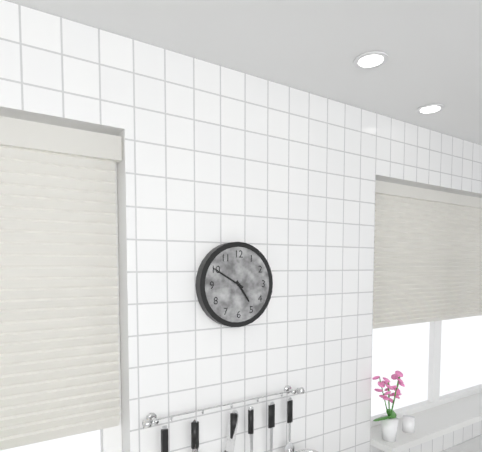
4:50
